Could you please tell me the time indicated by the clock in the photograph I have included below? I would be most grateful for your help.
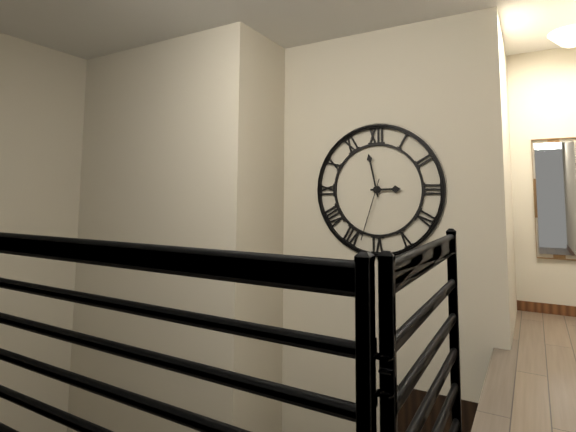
2:58:33
